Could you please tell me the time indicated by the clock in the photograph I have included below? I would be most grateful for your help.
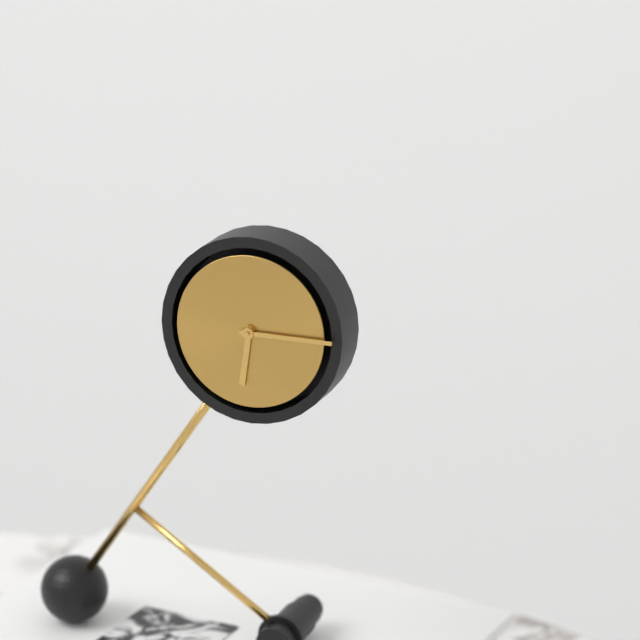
6:15
